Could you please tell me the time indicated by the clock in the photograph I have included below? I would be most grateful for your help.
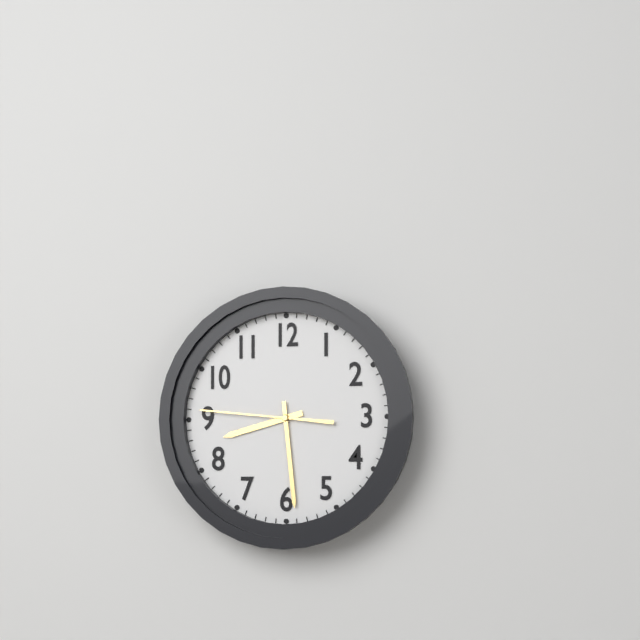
8:29:46
